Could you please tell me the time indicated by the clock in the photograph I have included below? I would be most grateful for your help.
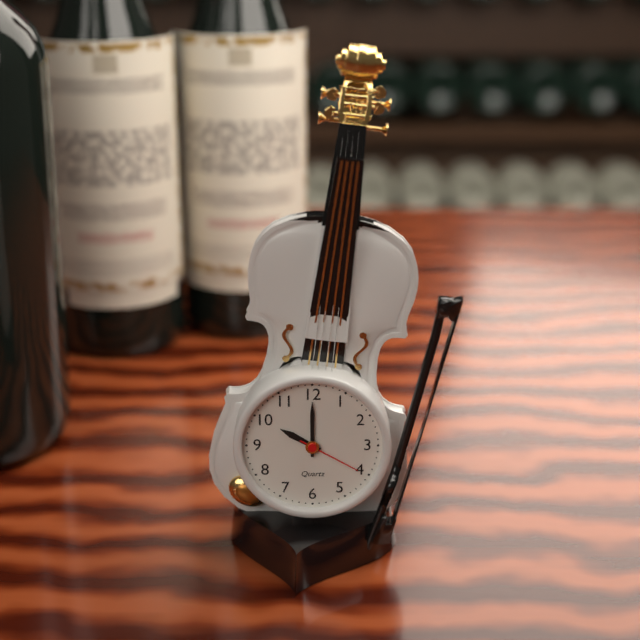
10:00:20
